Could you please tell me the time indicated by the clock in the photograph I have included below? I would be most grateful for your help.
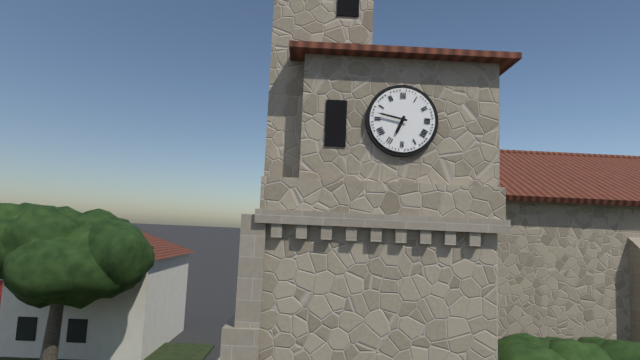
6:47
